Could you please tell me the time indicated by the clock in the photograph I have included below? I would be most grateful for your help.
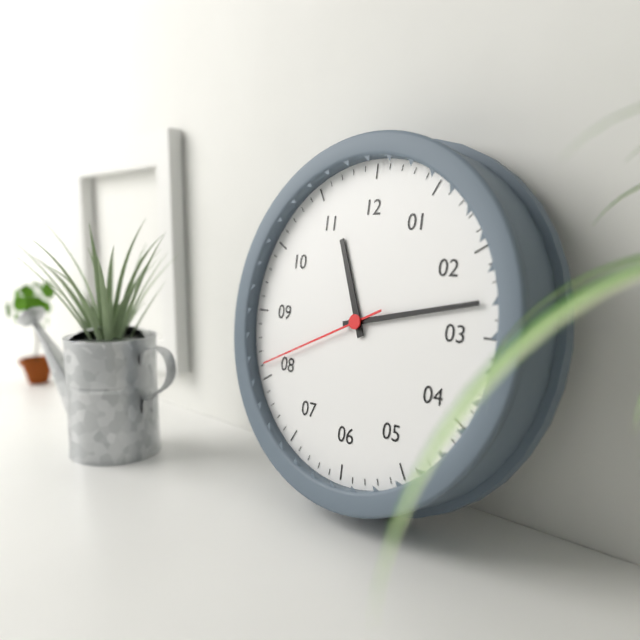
11:13:41
